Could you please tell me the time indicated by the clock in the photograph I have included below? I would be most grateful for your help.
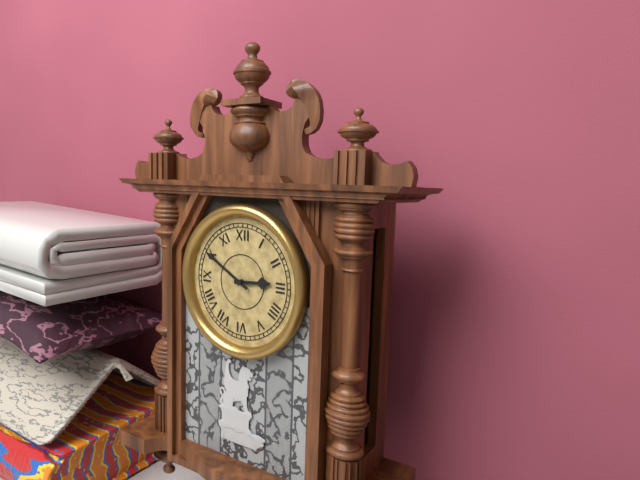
2:50
